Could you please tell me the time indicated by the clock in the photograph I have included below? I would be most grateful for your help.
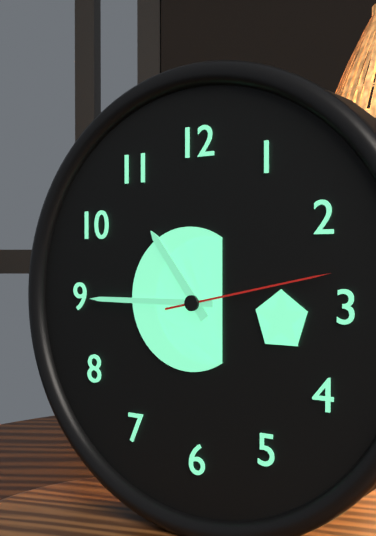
10:45:13
